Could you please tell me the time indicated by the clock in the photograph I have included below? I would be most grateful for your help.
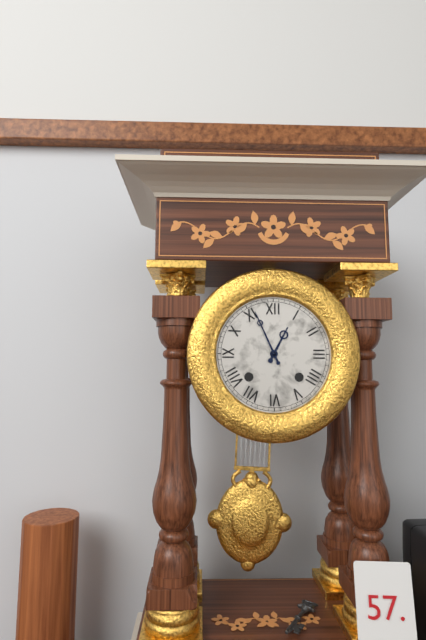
12:56
